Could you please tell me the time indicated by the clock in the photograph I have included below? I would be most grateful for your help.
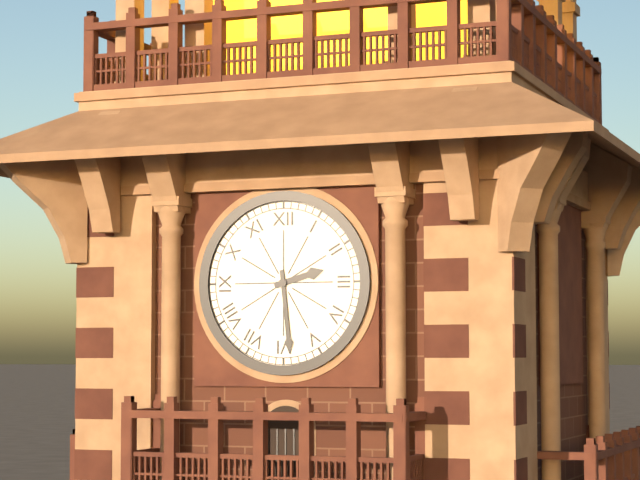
2:29
